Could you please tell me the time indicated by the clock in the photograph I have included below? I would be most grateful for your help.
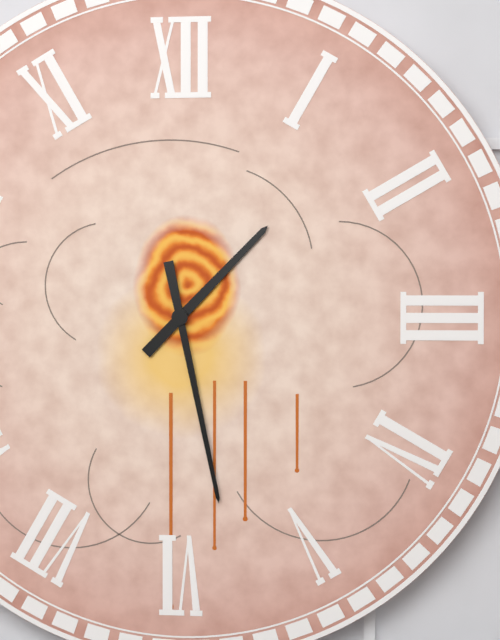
1:28
